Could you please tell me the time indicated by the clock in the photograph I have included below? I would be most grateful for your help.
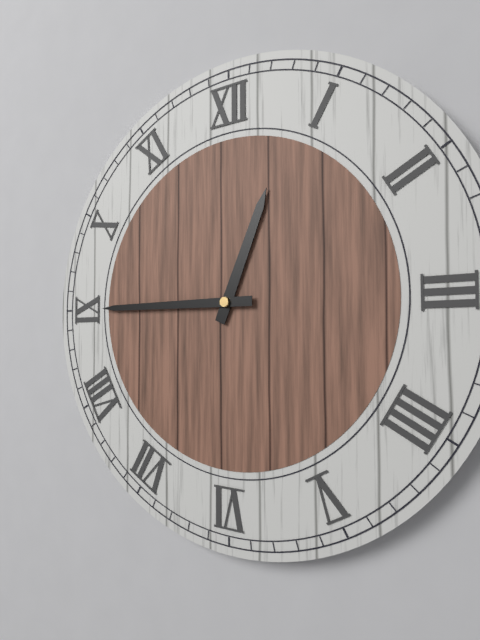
12:45
